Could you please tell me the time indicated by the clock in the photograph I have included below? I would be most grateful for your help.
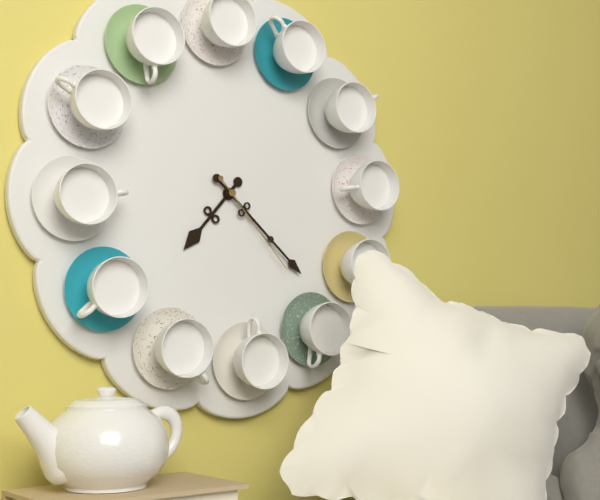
7:22:23
